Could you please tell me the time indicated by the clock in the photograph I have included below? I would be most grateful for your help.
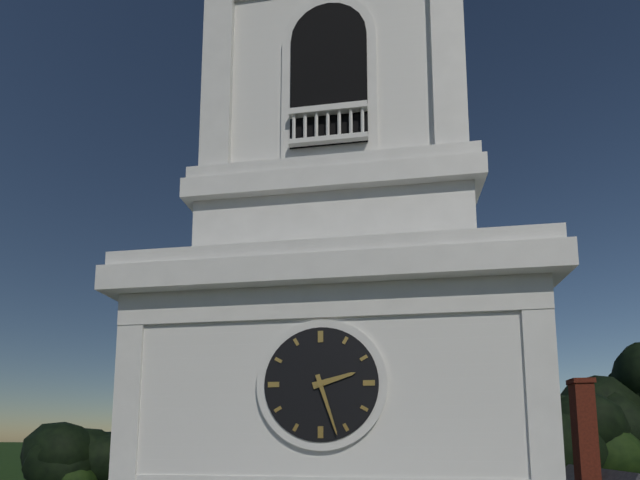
2:27
